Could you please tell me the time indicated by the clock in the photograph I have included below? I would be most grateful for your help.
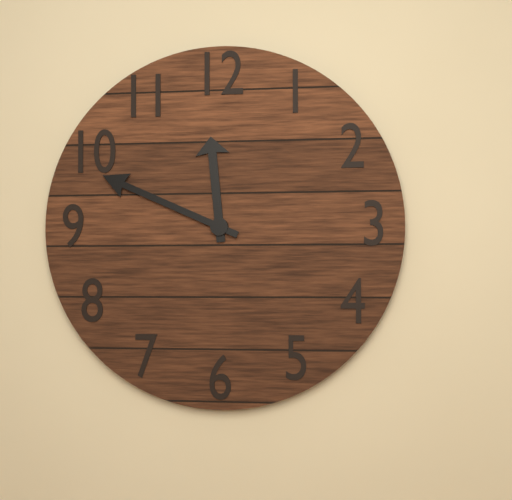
11:49
